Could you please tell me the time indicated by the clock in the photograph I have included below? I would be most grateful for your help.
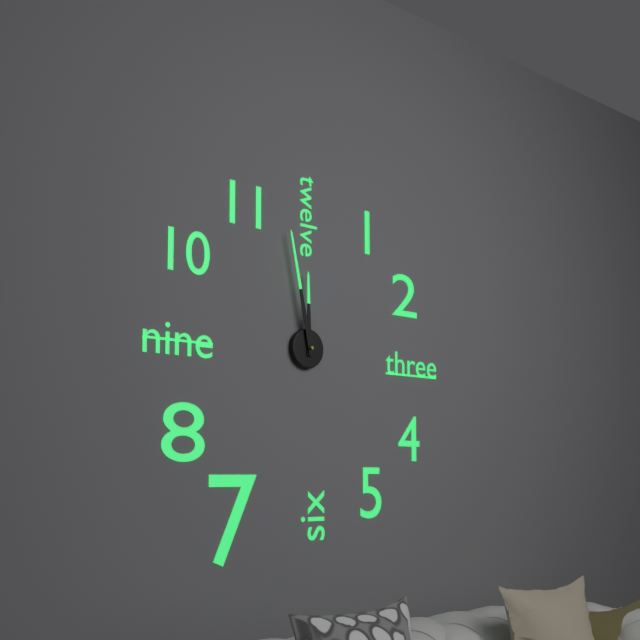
11:58
